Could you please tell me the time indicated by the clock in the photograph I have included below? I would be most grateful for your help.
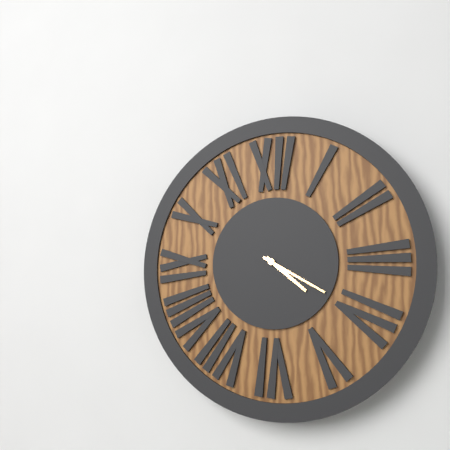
4:20
